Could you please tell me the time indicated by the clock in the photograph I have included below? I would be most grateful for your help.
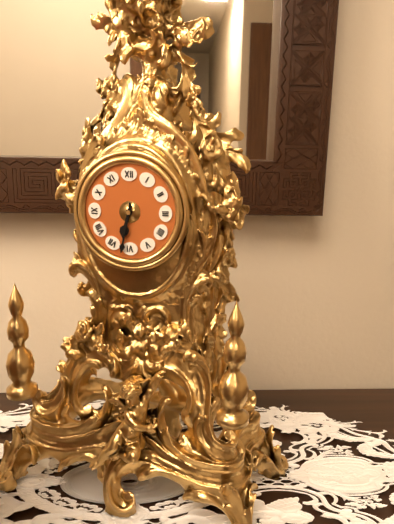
6:32
